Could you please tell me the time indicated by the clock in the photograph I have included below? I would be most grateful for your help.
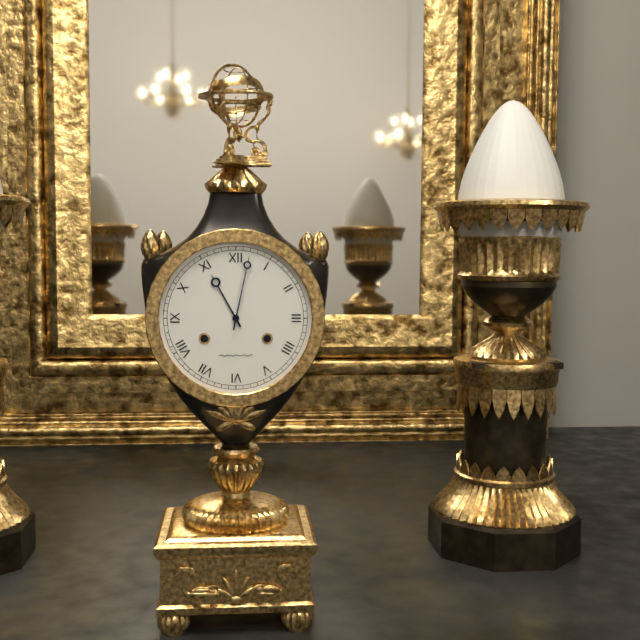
11:02
